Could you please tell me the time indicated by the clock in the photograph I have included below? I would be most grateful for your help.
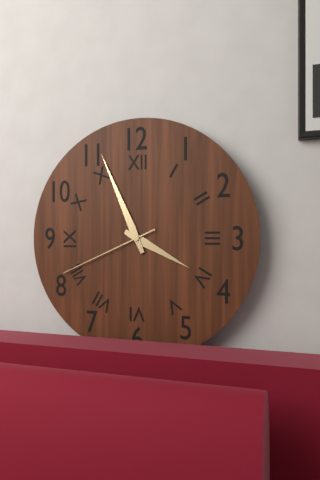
3:56:41
